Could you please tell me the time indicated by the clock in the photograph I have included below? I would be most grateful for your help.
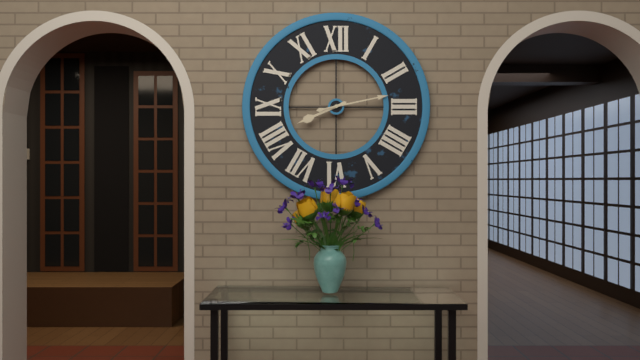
8:13
